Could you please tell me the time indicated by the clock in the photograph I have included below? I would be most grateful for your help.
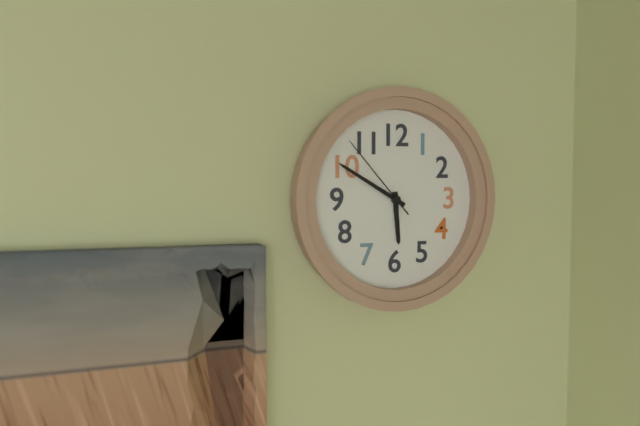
5:50:53
